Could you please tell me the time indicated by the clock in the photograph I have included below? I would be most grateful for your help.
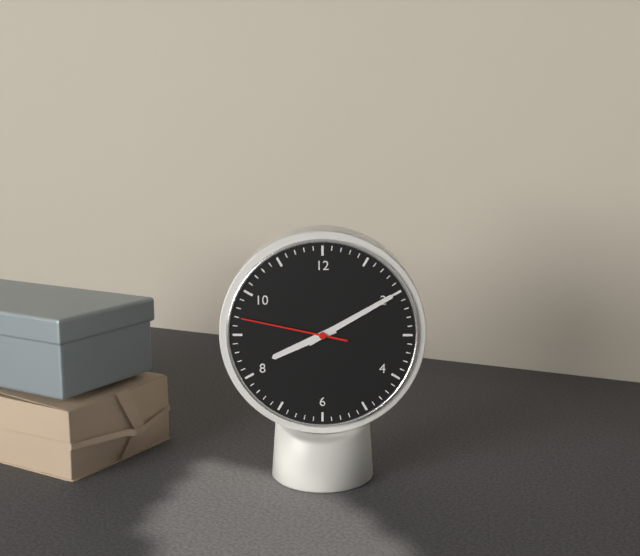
8:10:47
